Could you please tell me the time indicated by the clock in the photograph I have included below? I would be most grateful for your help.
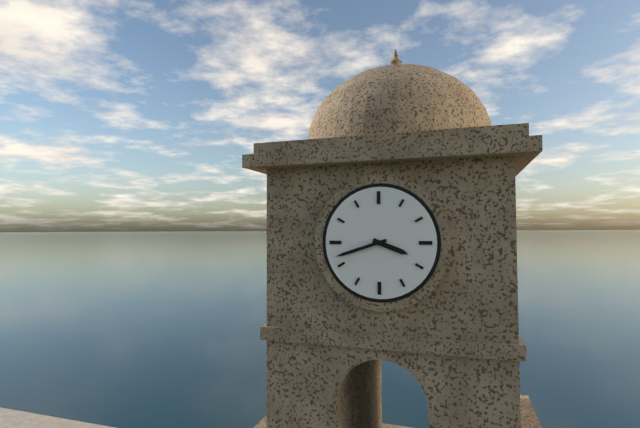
3:42
